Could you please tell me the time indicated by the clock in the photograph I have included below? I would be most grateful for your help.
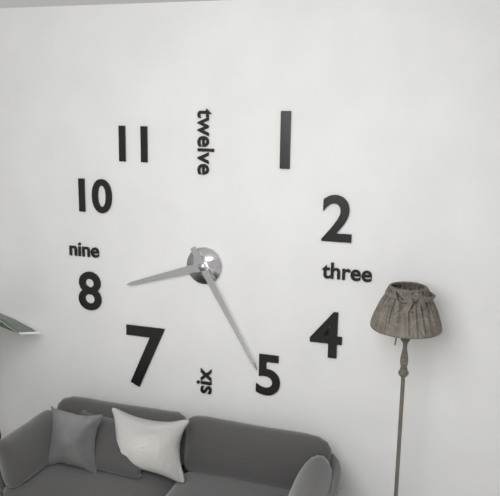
8:25
